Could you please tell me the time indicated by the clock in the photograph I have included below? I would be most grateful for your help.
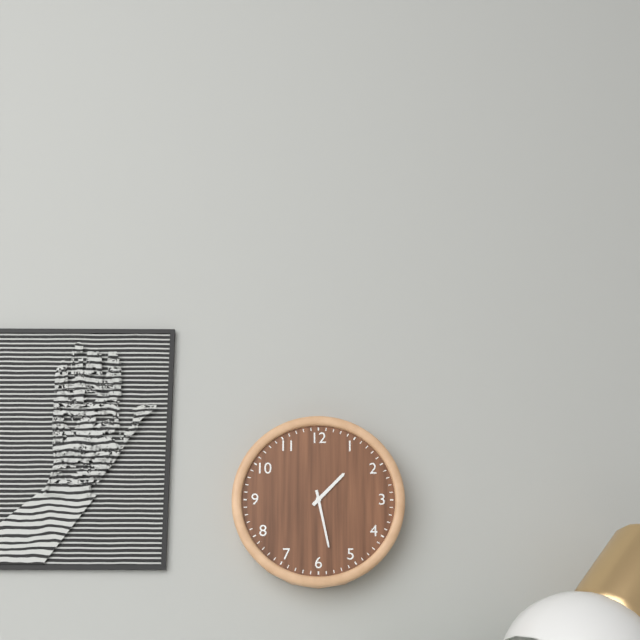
1:28
